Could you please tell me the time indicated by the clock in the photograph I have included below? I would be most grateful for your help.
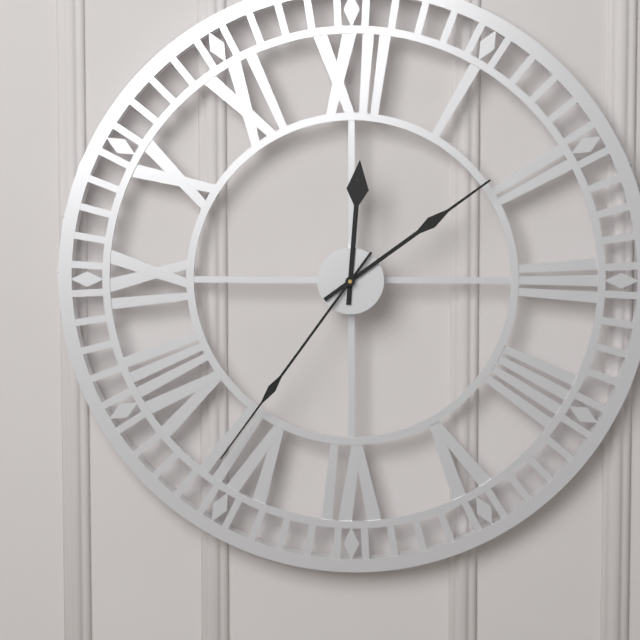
12:09:36
